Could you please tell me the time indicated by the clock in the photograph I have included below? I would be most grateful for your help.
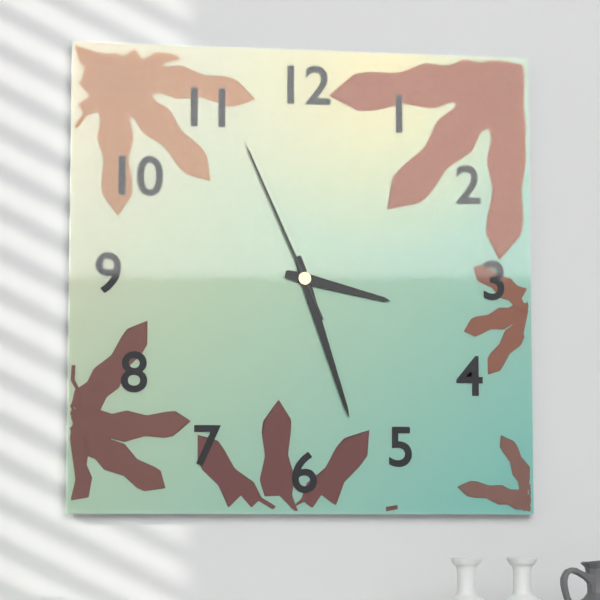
3:27:56
